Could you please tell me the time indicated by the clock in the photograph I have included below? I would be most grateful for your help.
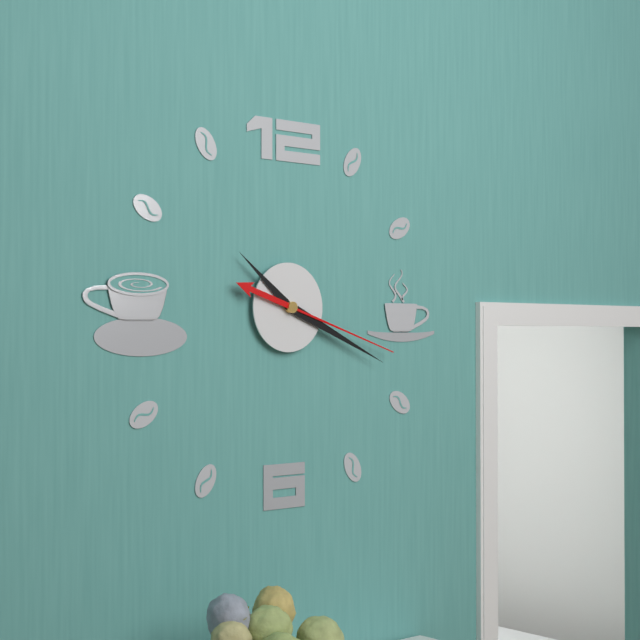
10:19:18
